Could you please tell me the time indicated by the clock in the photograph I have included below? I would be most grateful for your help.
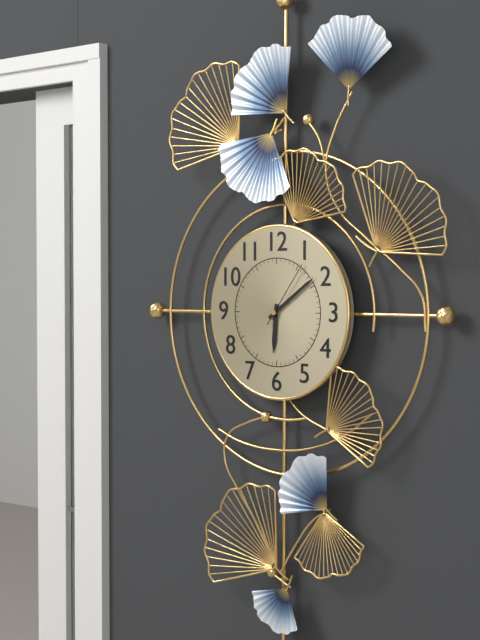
6:09:06
